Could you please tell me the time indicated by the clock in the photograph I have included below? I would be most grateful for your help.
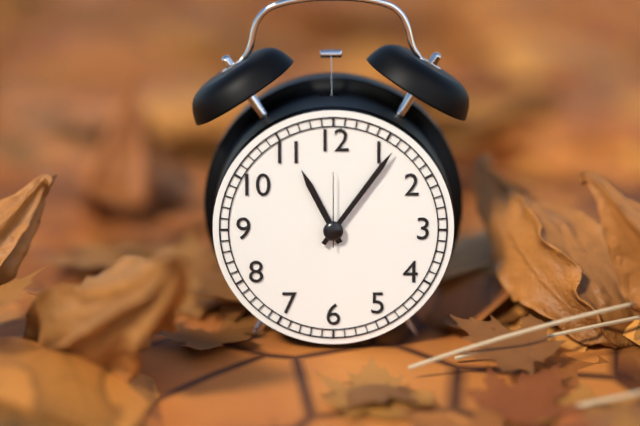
11:06:00
